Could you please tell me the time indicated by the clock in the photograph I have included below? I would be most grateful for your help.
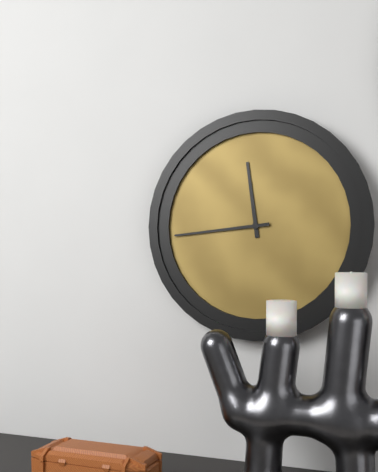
11:44
